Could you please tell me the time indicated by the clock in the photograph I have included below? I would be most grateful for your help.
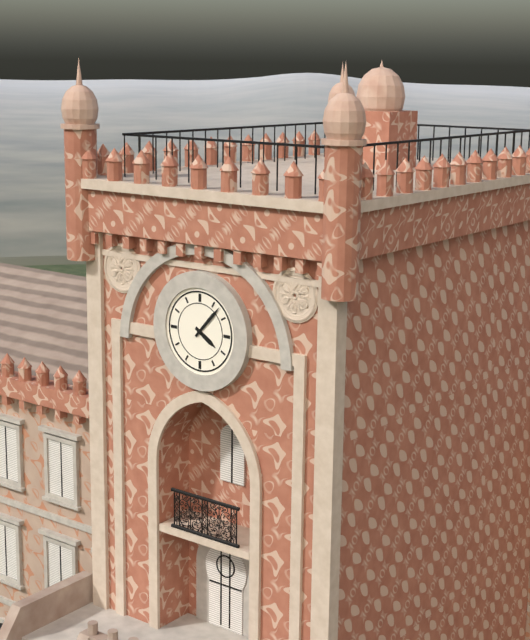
4:07
